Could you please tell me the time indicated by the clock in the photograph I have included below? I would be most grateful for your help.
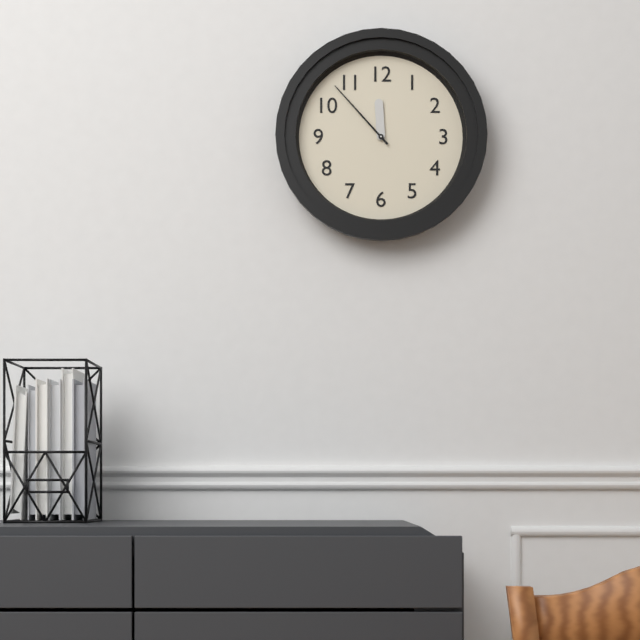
11:53
